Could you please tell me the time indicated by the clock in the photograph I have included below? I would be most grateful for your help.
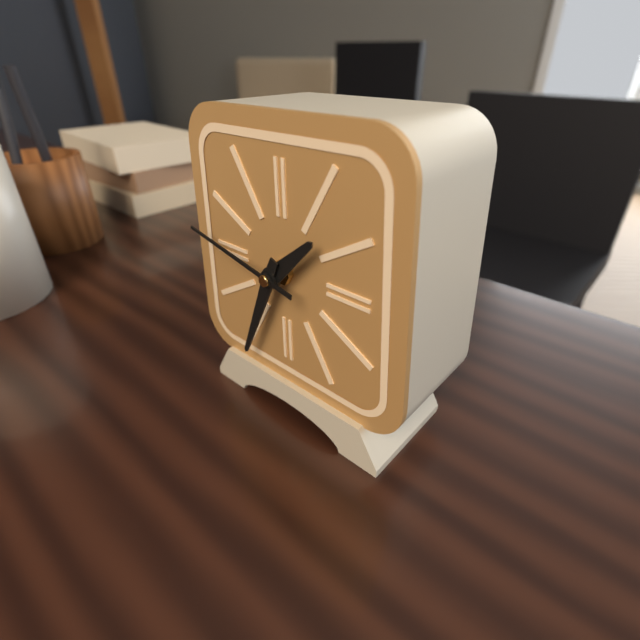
1:34:47
